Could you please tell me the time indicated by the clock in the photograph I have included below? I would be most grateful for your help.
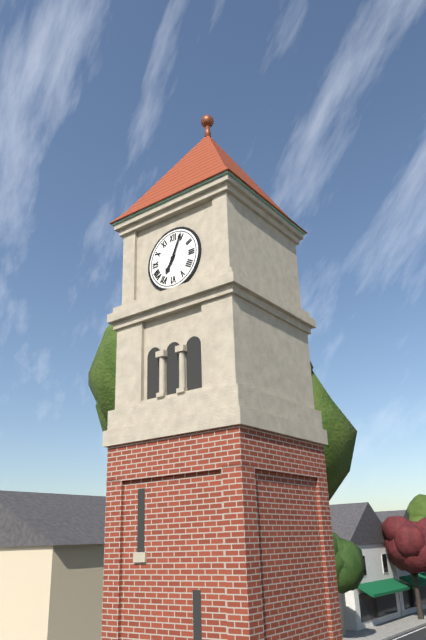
7:04
